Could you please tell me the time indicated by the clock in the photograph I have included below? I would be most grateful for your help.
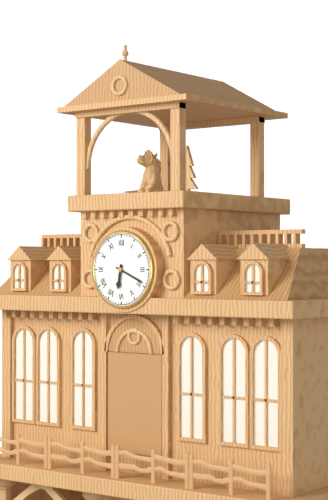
6:19
